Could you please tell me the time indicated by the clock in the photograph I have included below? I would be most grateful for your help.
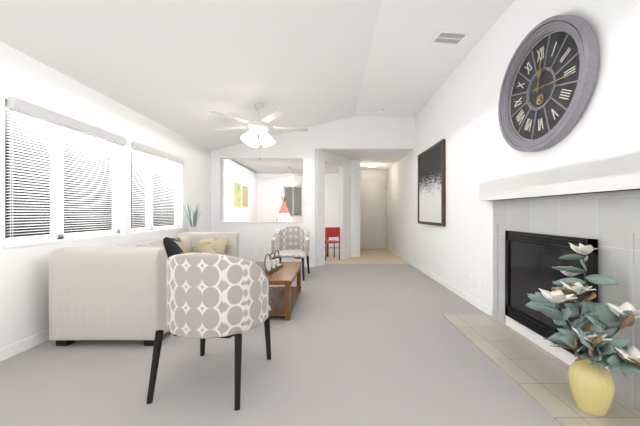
12:16
